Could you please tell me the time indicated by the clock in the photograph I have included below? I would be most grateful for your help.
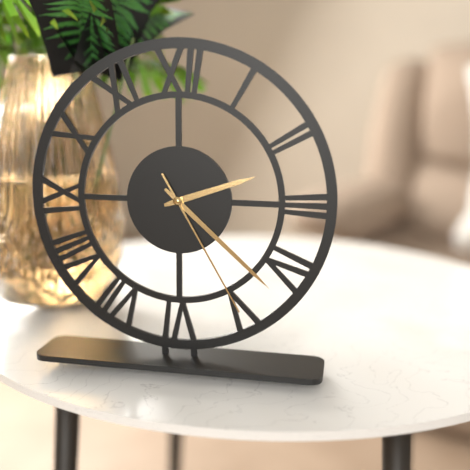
2:22:25
